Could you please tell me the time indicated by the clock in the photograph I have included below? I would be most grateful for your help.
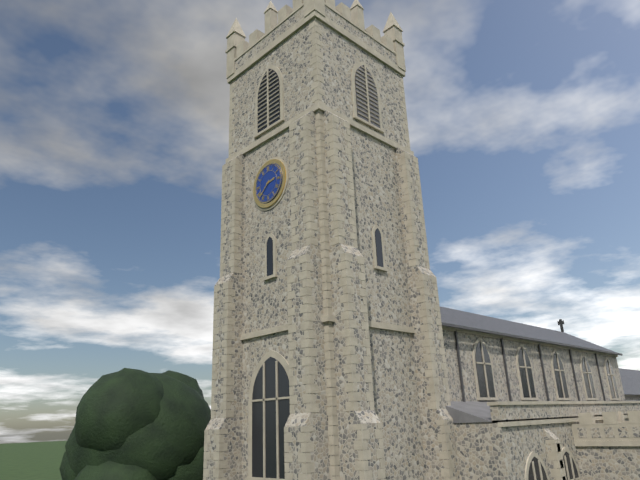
2:38
